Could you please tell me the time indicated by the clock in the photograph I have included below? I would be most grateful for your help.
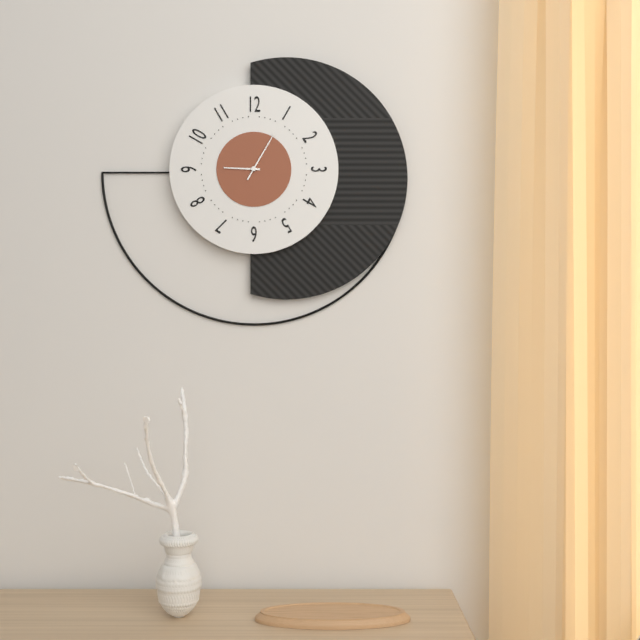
9:05
